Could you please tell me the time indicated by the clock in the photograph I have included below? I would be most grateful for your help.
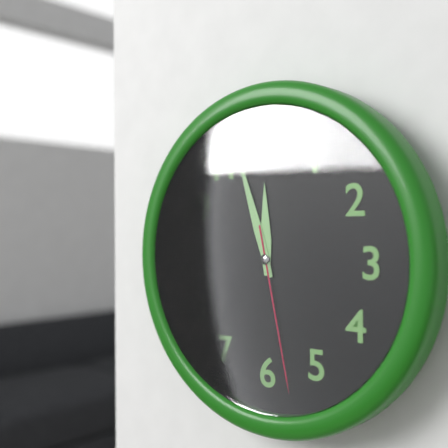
11:57:28
